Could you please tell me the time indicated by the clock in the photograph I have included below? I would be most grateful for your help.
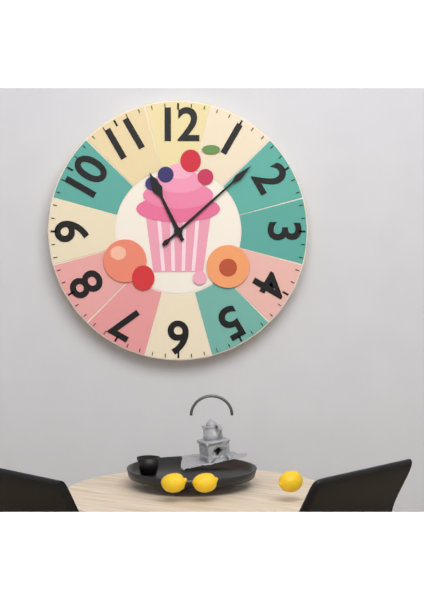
11:08
